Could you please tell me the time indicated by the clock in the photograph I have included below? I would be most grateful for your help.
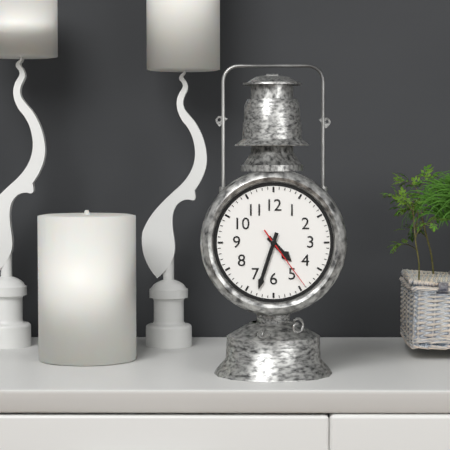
4:33:24
